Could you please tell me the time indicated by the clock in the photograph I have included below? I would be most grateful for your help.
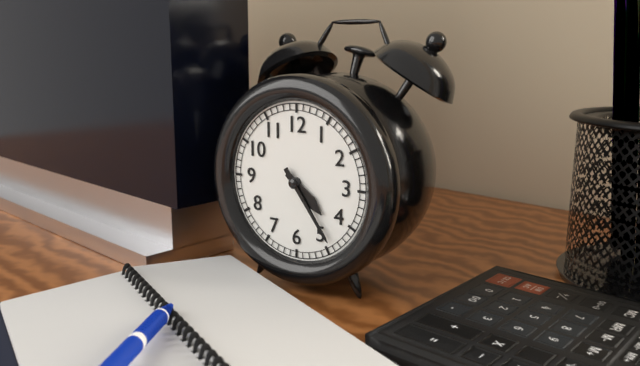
4:24
